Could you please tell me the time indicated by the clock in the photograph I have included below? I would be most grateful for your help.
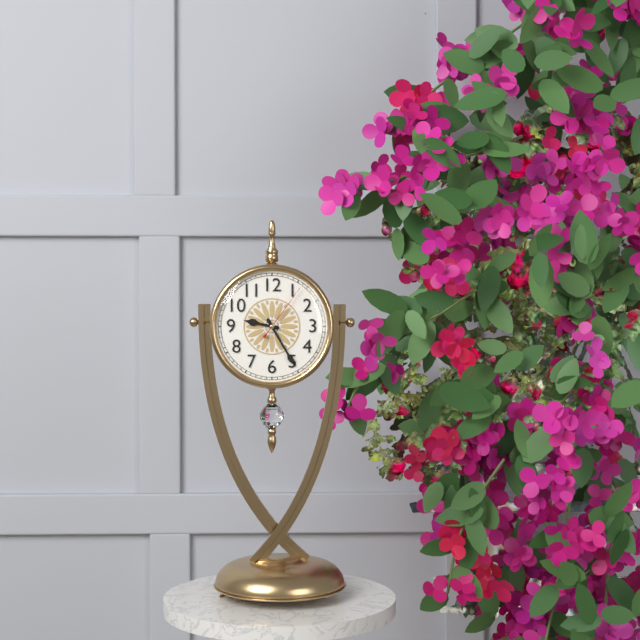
9:25:06
